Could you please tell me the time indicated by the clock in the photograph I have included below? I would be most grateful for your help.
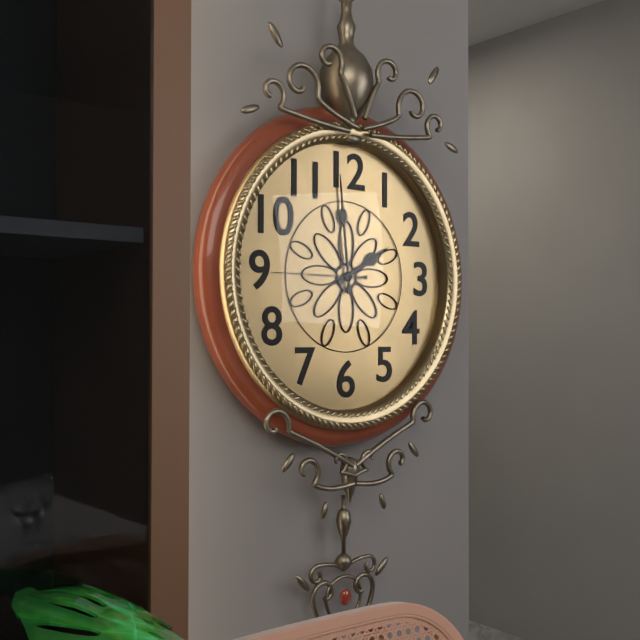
1:59:45
